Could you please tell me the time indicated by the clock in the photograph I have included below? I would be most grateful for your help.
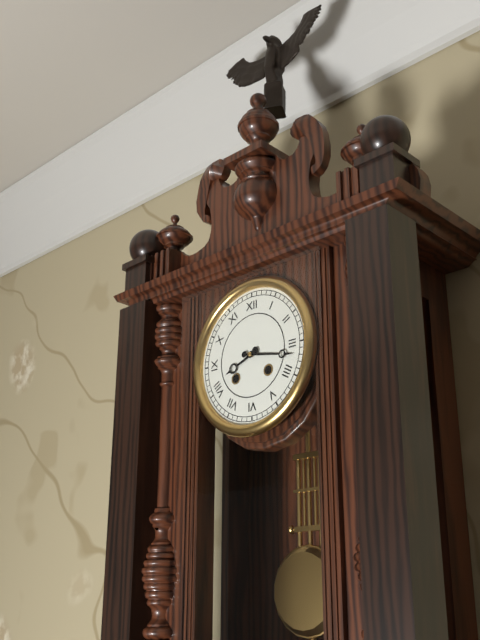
8:17
